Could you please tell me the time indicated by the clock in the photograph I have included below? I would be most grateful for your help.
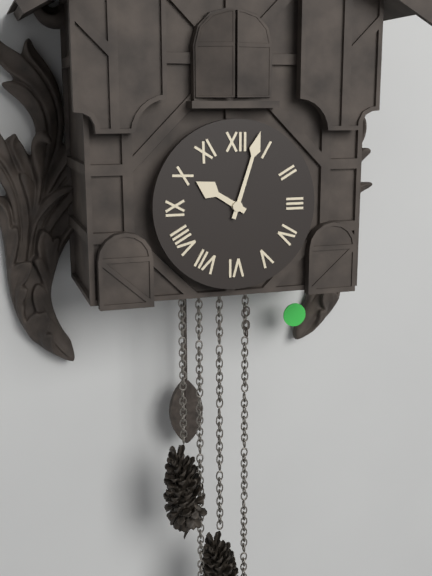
10:03
